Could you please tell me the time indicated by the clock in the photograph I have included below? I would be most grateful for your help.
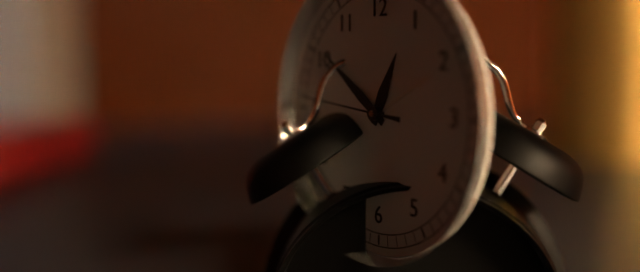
12:51:46
